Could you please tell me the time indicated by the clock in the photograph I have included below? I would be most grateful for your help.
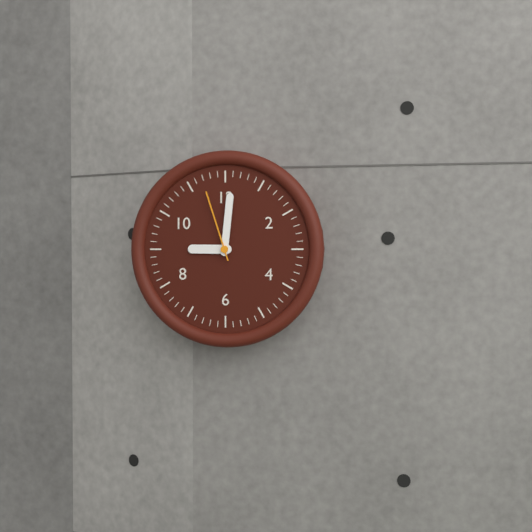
9:01:57
